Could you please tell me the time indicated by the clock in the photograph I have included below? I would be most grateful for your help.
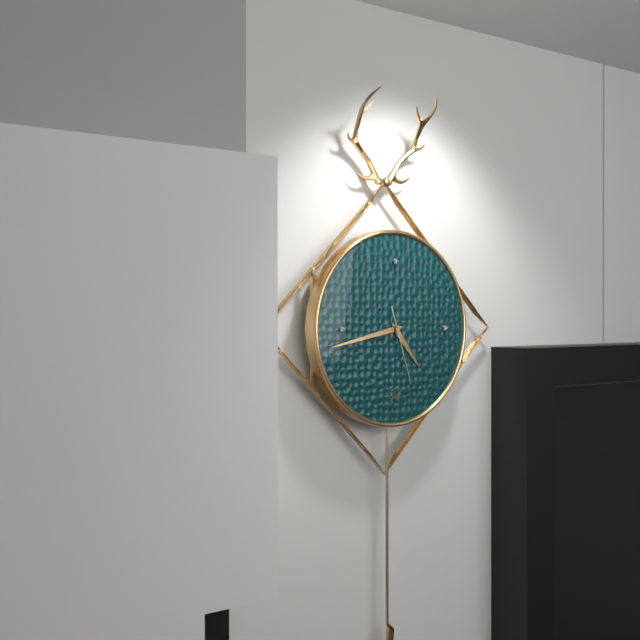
4:43:27
